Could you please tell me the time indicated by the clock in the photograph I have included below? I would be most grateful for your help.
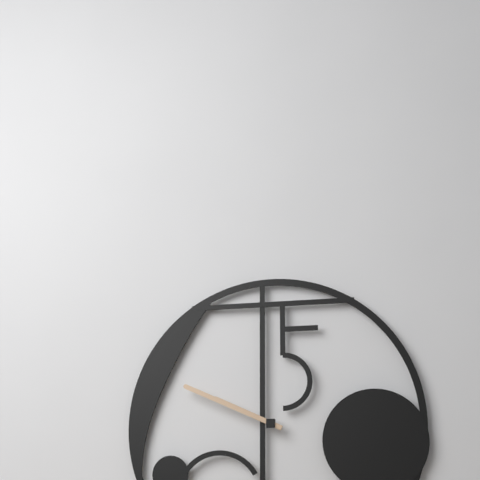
9:49
